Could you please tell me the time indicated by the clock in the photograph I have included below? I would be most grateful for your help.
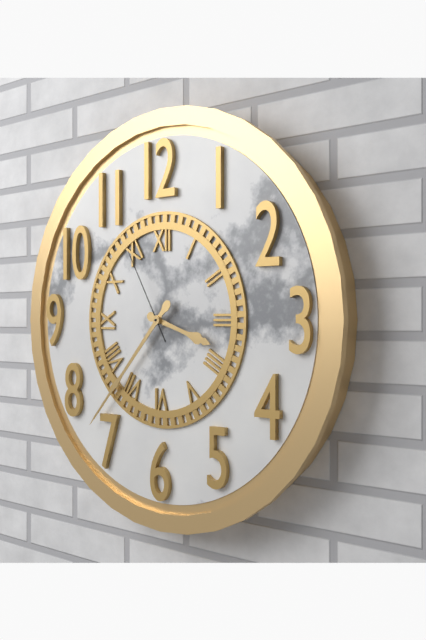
3:37:55
